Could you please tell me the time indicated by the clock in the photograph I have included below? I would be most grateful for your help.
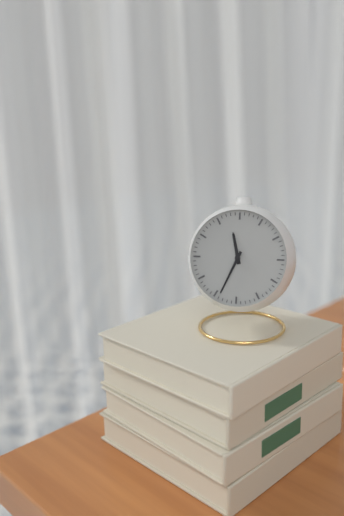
11:34
